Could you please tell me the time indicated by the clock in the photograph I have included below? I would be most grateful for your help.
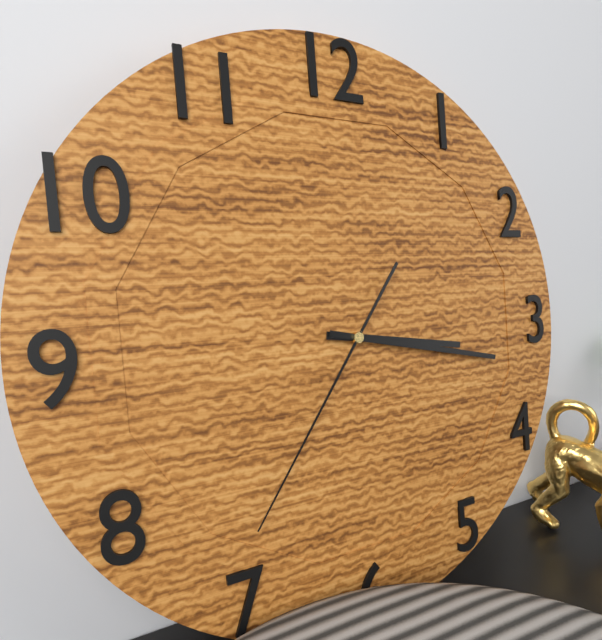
3:17:36
